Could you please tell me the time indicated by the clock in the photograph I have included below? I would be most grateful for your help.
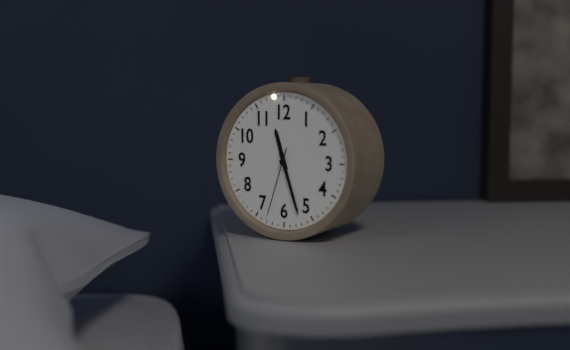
11:27:33
